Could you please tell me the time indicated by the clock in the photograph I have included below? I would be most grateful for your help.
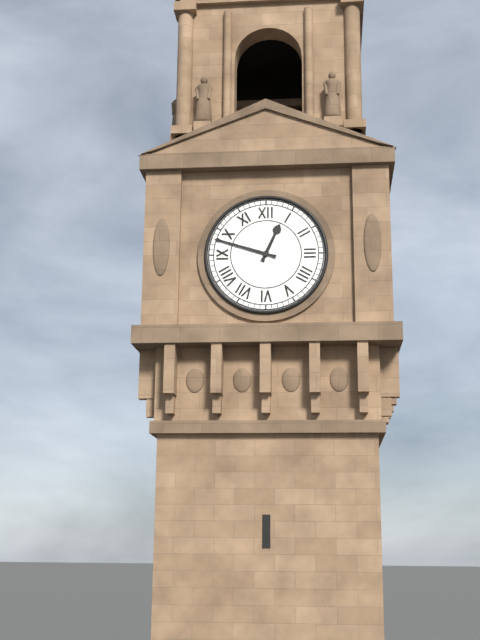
12:48
